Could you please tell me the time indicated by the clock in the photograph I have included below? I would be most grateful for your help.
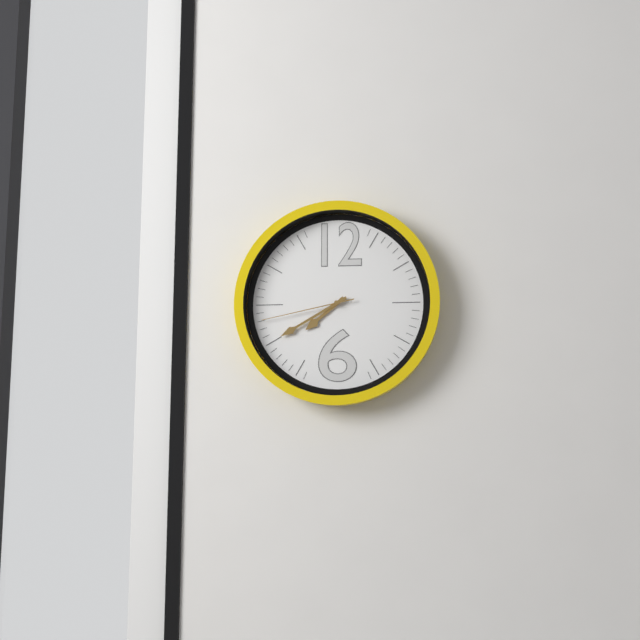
7:40:43
